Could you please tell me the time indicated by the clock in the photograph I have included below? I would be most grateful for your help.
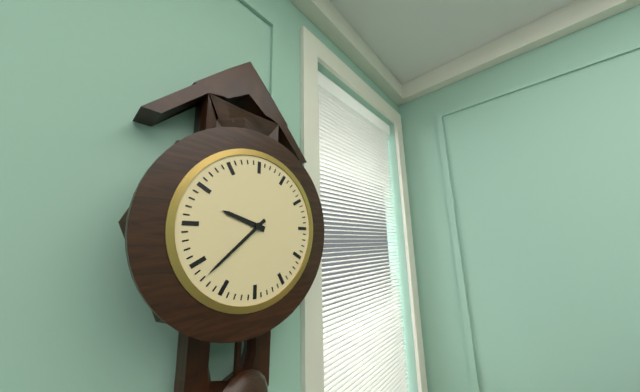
9:38
